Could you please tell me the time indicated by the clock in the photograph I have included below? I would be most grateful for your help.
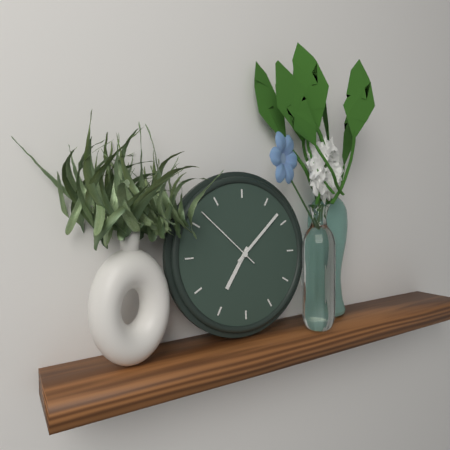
7:08:52
